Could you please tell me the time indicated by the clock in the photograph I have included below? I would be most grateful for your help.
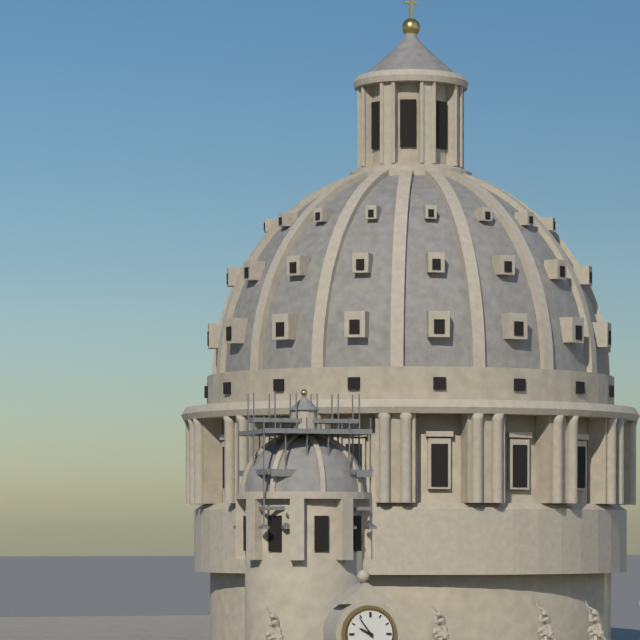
9:54
